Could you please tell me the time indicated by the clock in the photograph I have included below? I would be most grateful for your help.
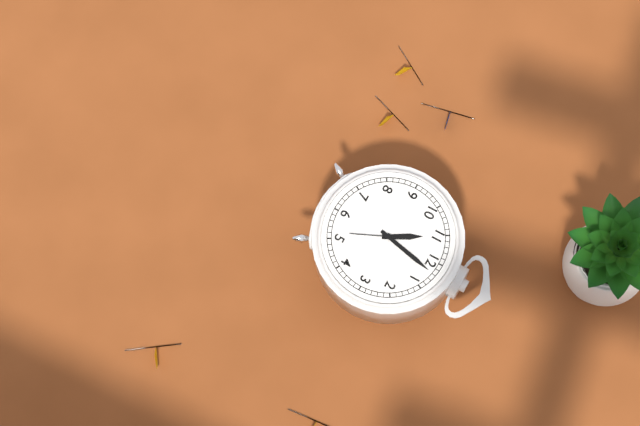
11:02
